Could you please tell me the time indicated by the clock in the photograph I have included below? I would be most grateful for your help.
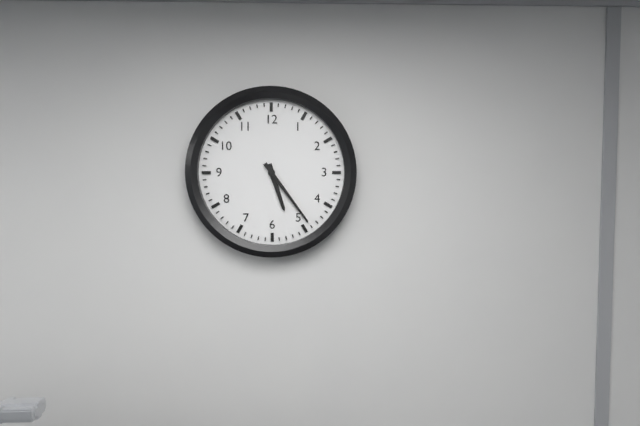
5:24
